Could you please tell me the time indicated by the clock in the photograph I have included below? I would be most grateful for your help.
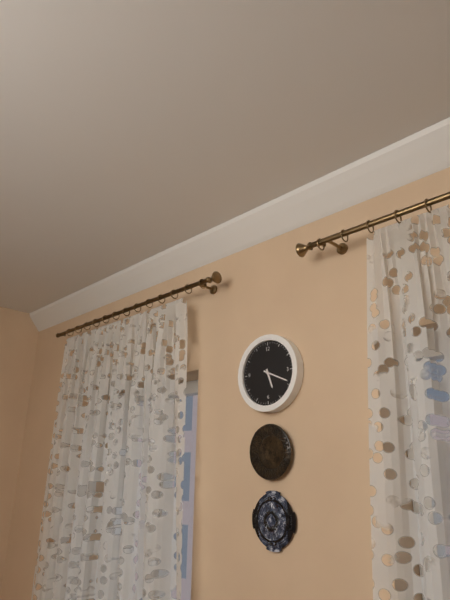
5:19
